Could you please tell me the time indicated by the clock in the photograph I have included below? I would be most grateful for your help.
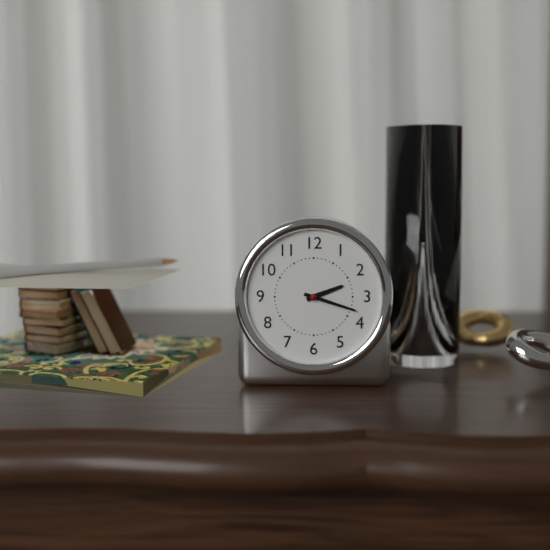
2:18
